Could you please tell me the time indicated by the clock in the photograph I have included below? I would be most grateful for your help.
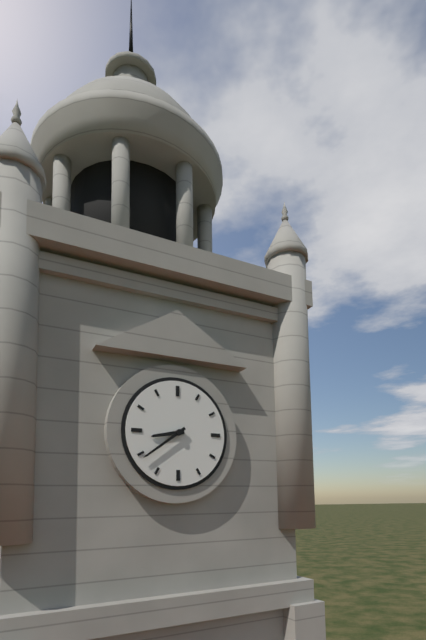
8:39
